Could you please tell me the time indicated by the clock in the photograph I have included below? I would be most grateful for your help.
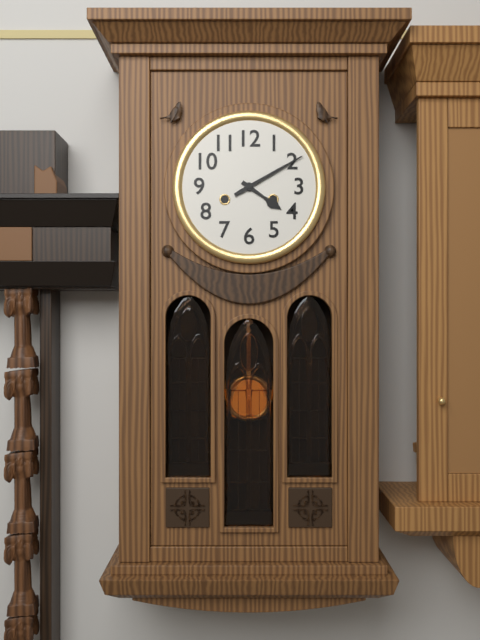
4:10
